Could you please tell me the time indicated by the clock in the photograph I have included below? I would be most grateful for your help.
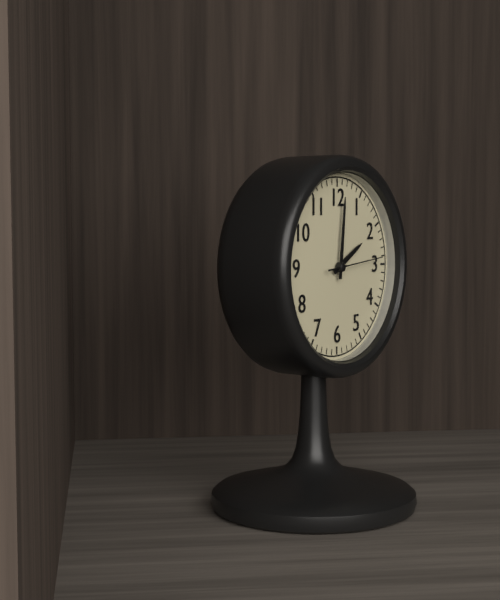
2:01:14
